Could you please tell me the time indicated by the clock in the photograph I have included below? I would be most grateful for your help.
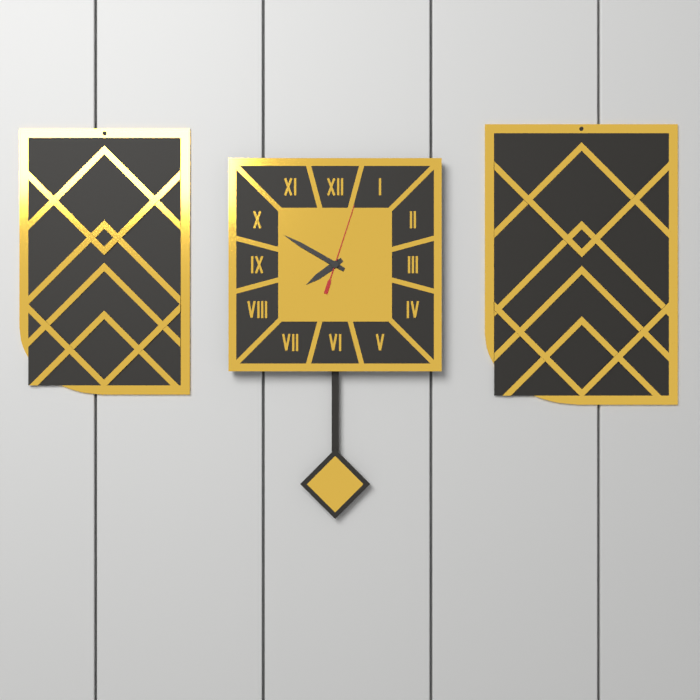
7:50:03
